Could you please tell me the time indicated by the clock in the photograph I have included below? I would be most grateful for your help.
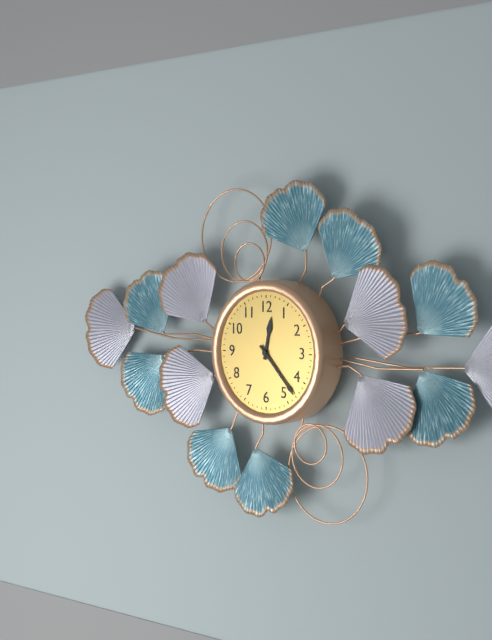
12:23
